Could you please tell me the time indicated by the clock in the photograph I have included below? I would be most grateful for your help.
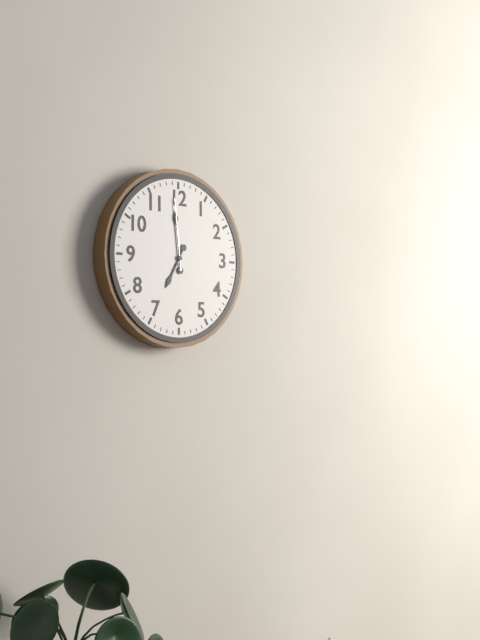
6:59:59
